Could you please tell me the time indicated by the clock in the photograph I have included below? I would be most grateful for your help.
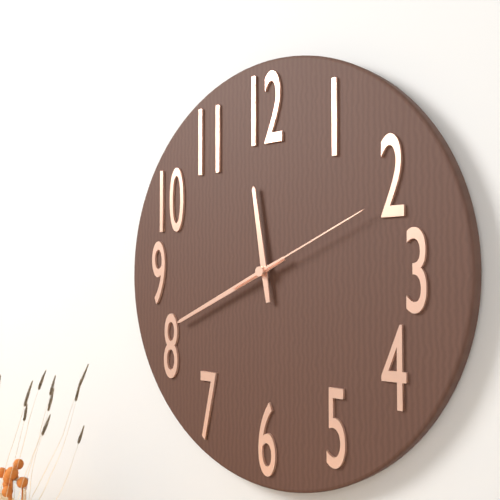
11:41:11
